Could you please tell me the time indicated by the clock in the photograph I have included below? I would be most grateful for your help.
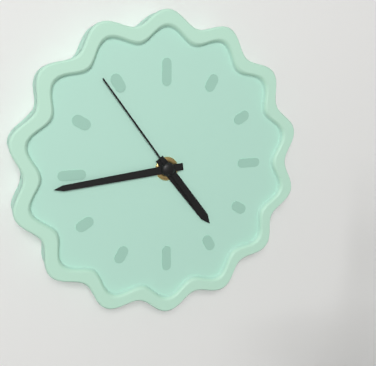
4:44:54
